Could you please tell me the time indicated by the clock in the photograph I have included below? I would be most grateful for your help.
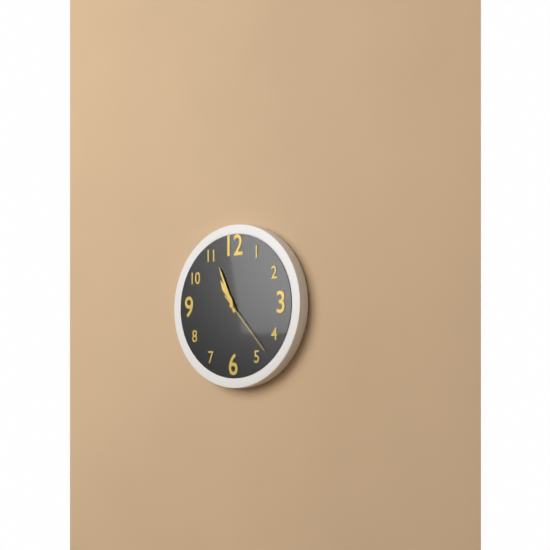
10:56:23
